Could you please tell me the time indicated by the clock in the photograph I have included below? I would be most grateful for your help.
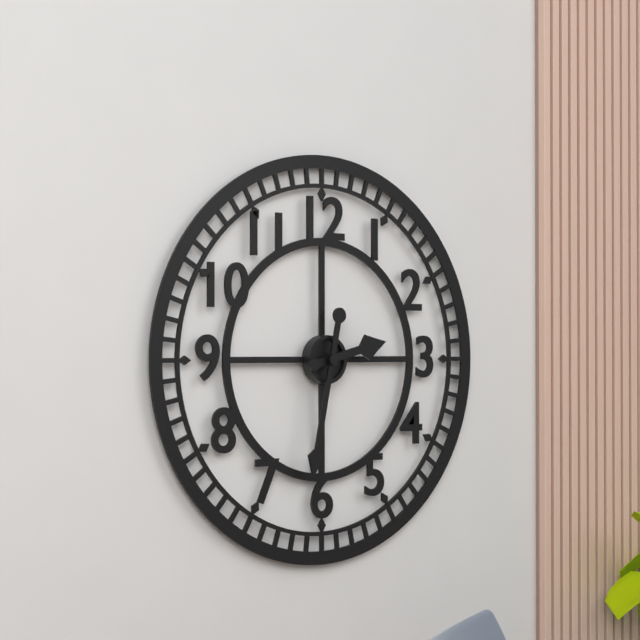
2:32
